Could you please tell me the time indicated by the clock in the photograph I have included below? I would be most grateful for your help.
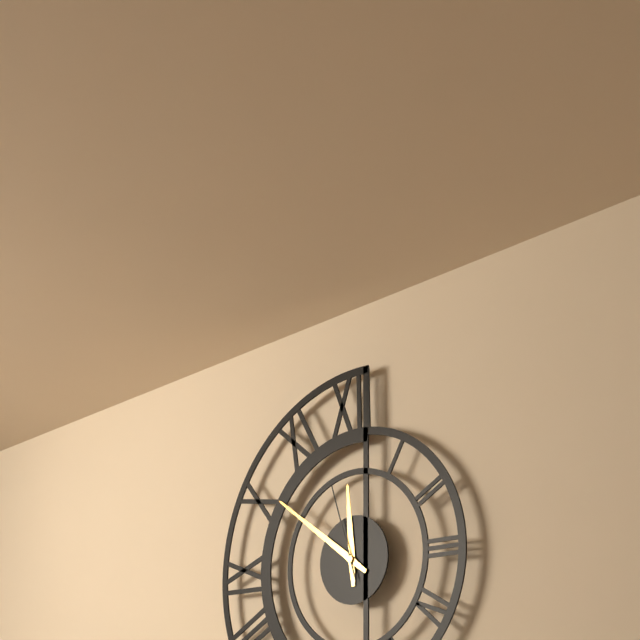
11:51:57
